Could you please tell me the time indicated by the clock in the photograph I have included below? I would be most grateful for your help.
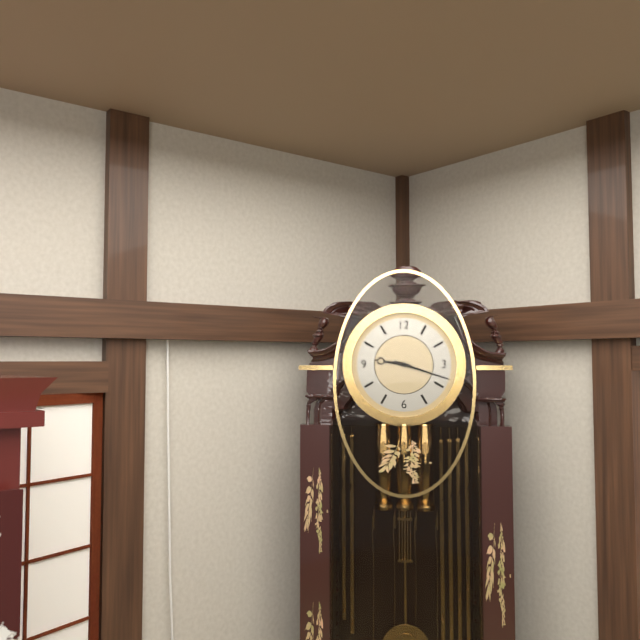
9:18
